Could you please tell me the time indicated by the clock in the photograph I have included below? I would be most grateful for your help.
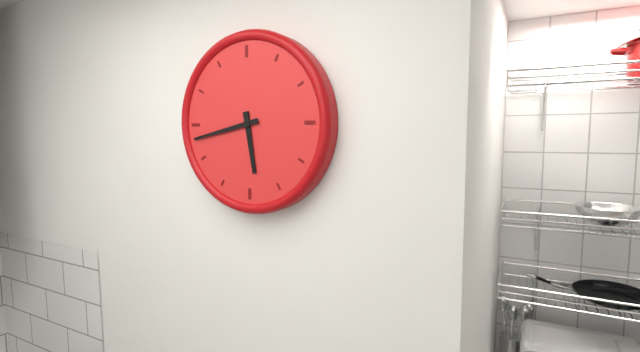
5:43
